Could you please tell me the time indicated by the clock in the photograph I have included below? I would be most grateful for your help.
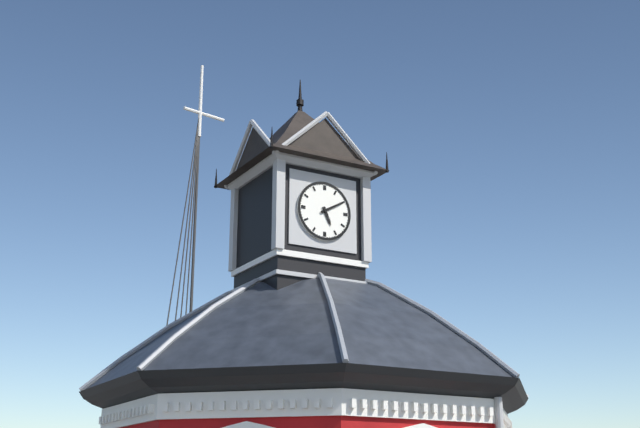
5:10
